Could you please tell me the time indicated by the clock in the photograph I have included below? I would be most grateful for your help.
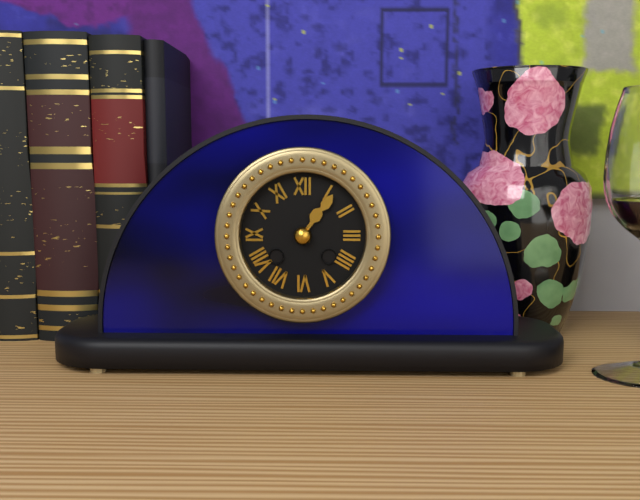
1:06
